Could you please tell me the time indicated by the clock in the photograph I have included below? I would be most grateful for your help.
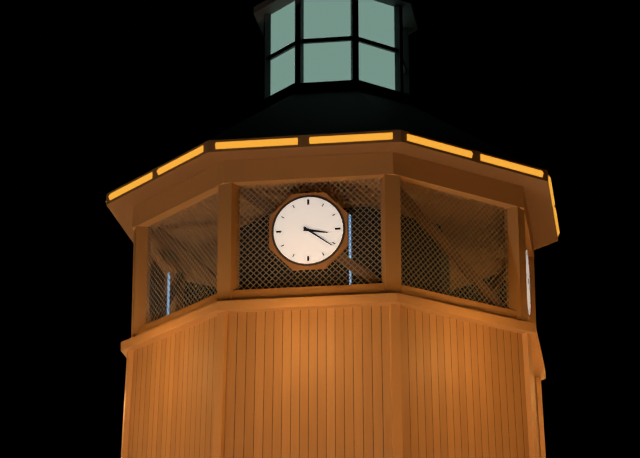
3:21
